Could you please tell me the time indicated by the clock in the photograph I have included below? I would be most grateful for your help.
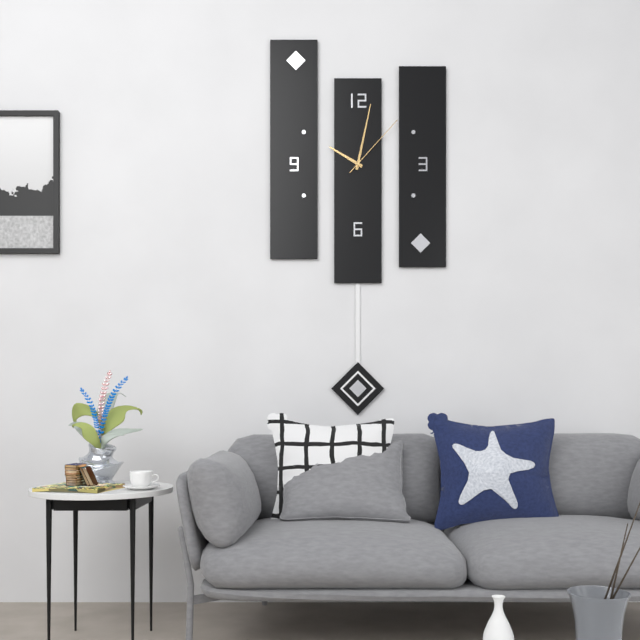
10:02:07
